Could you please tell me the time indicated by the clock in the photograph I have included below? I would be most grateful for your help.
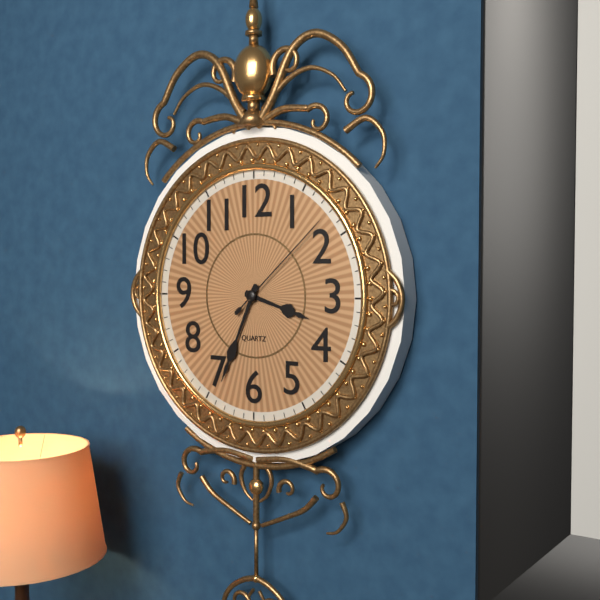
3:34:08
